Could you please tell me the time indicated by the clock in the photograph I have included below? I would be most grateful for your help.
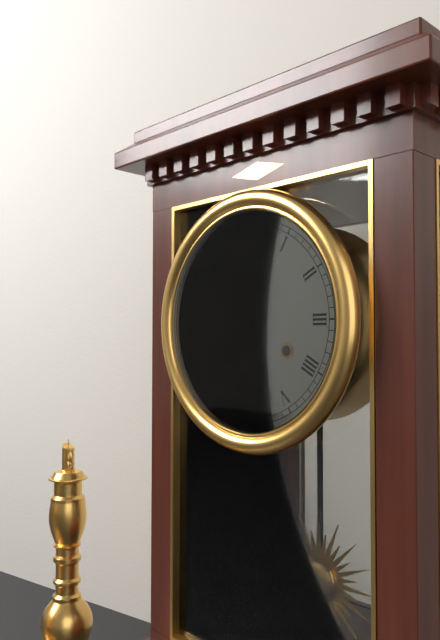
5:27
